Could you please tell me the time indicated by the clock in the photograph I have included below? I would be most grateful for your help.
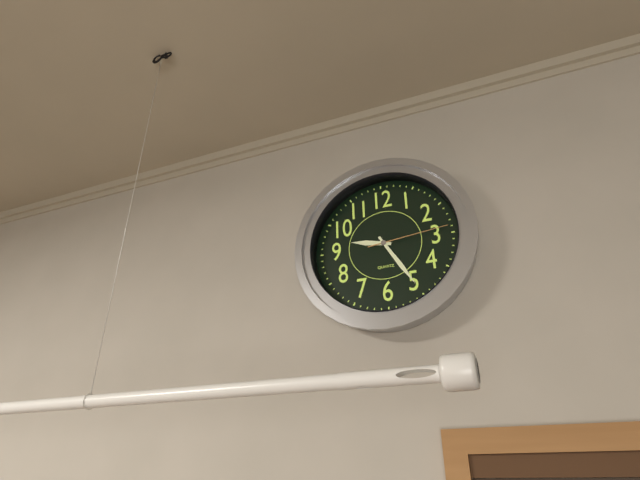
9:25:14
